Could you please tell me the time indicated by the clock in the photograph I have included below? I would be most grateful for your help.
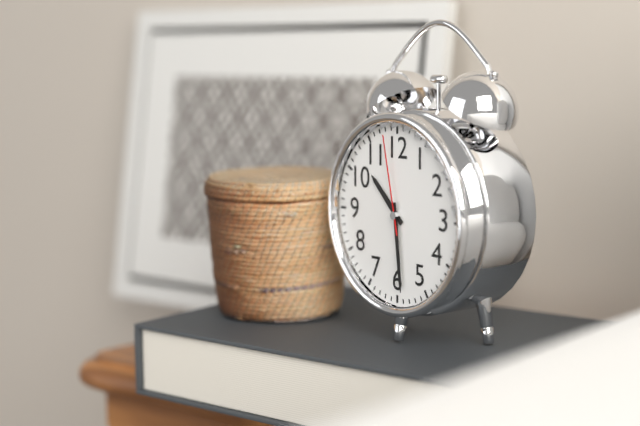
10:29:58
